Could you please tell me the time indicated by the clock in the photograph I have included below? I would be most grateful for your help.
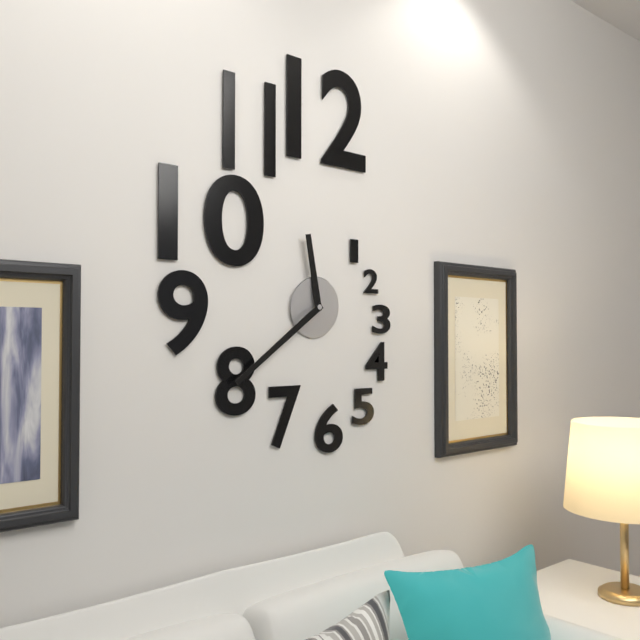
11:39
